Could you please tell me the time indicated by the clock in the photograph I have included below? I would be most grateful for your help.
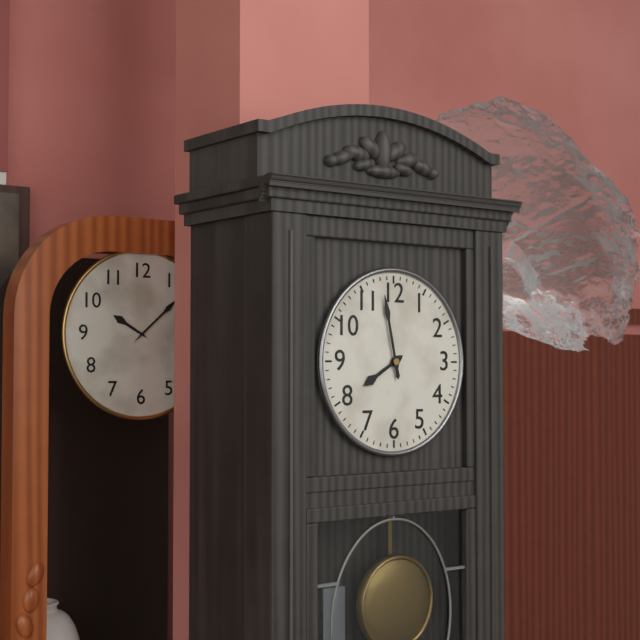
7:58
